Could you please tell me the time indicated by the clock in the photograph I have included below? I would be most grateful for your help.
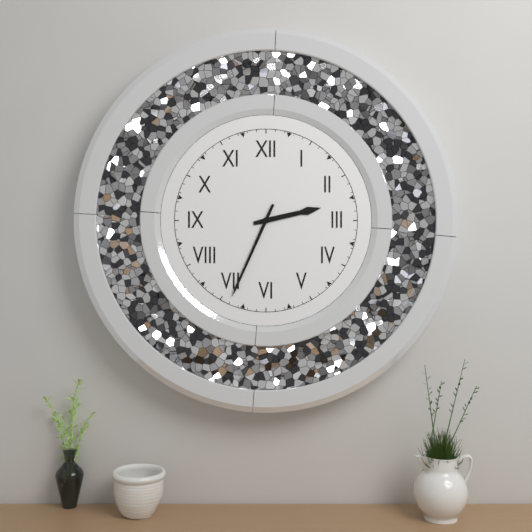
2:34
